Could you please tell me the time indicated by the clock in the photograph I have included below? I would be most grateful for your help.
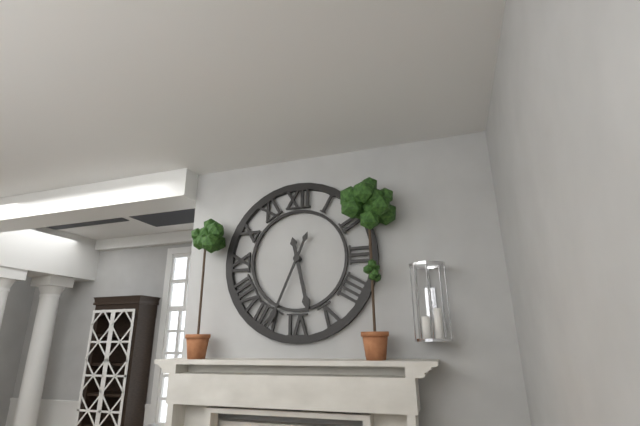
5:34
